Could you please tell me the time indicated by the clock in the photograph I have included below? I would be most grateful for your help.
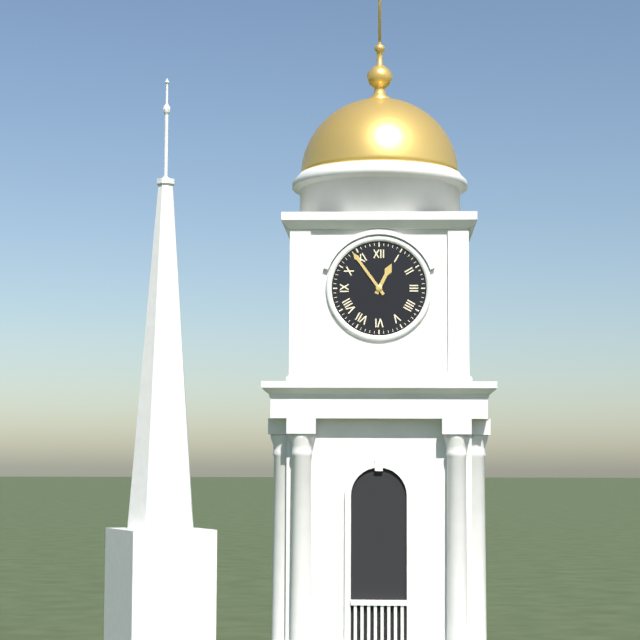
12:54
